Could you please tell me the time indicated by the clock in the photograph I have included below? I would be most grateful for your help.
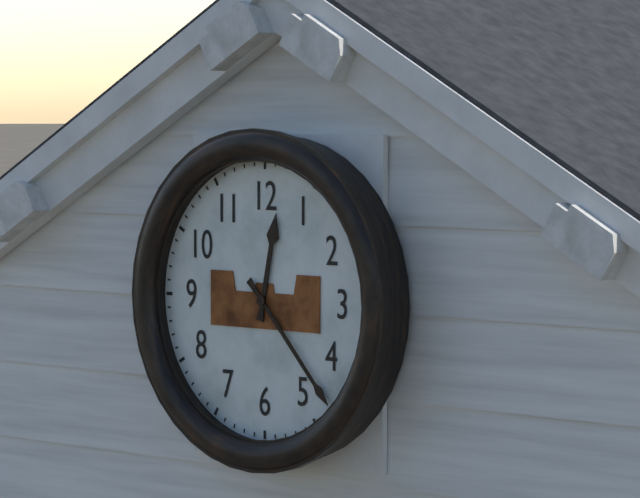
12:23
